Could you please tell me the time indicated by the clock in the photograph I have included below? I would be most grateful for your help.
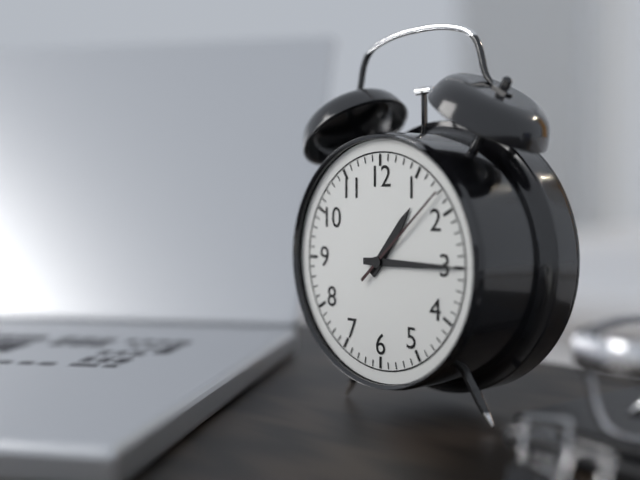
1:15:08
